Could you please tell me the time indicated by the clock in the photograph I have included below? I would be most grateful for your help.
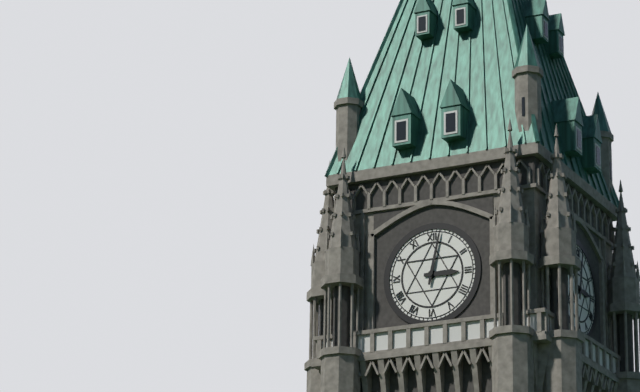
3:02
